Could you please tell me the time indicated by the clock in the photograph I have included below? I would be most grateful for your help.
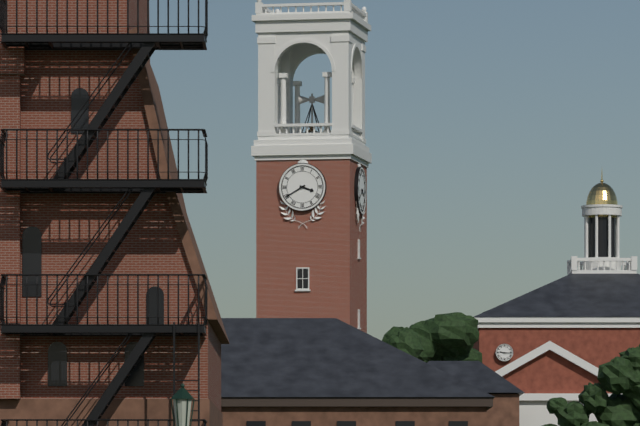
3:40
